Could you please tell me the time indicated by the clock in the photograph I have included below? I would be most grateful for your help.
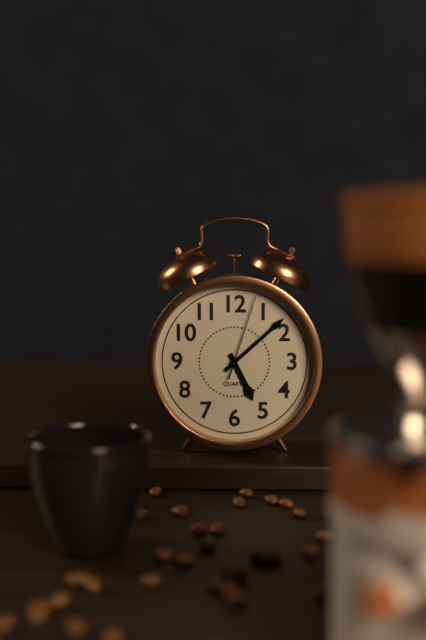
5:08:03
